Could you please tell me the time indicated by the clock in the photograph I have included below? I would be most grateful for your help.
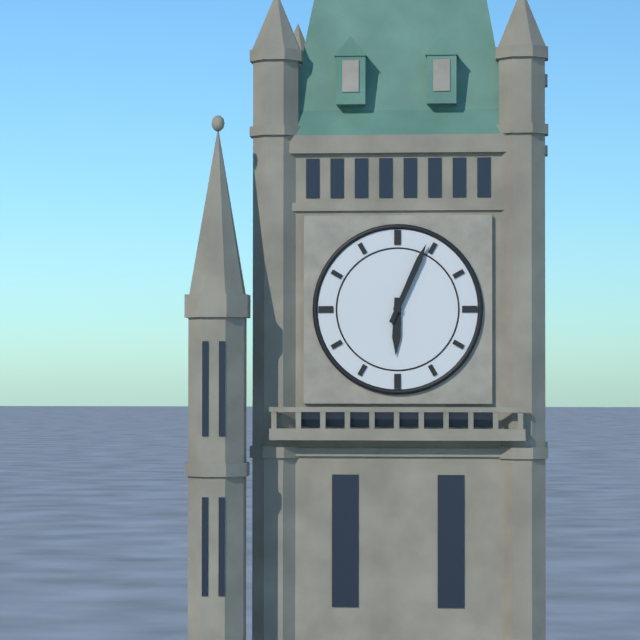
6:04
